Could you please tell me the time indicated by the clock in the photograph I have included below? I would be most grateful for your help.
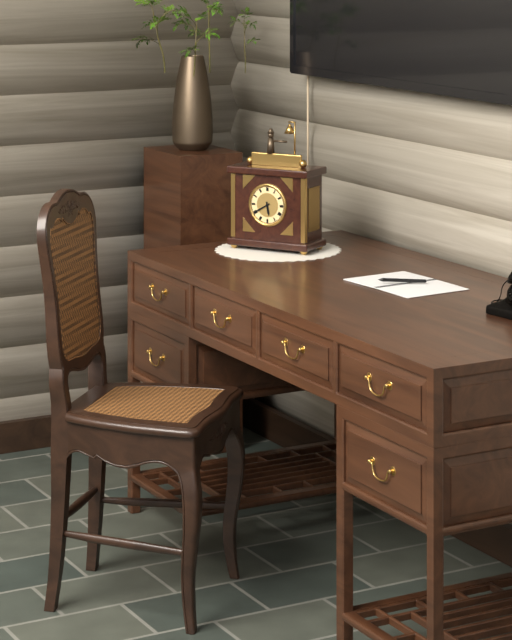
5:40
